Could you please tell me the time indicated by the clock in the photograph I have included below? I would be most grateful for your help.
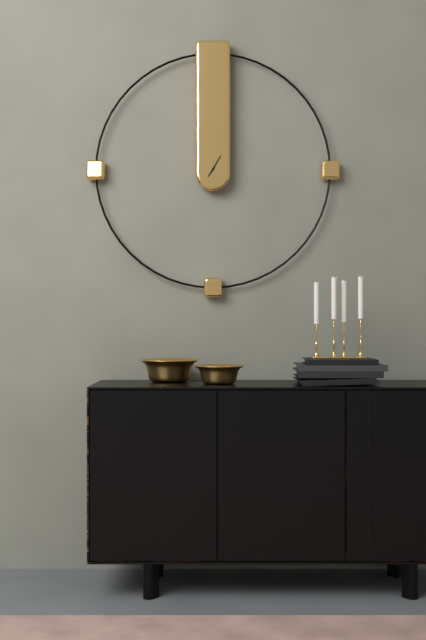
7:05
